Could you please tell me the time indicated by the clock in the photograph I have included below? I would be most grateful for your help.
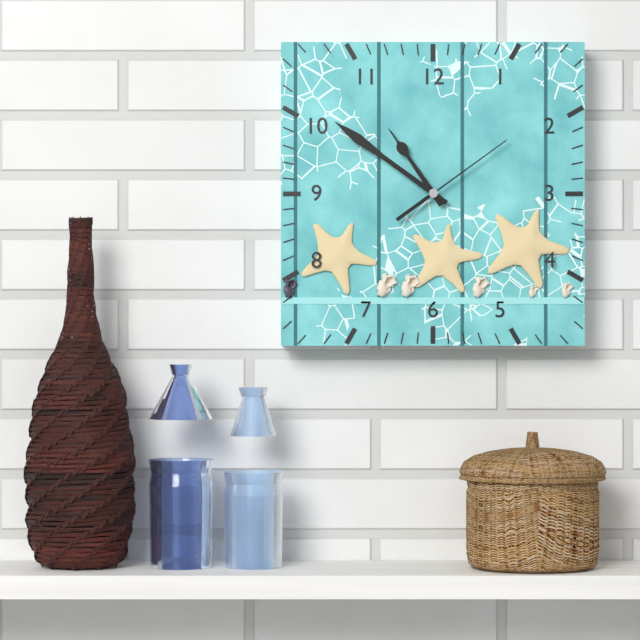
10:51:09
